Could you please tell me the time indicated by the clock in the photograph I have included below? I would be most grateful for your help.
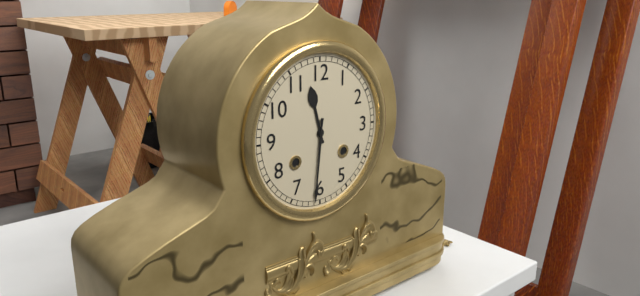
11:31
